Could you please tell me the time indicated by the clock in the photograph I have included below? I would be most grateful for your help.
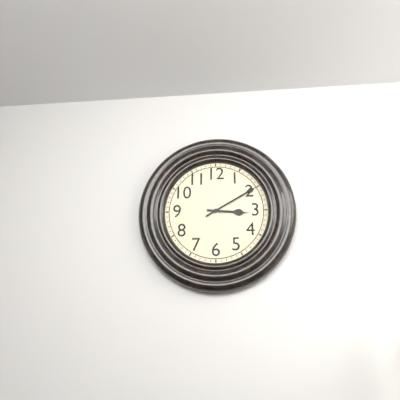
3:10
